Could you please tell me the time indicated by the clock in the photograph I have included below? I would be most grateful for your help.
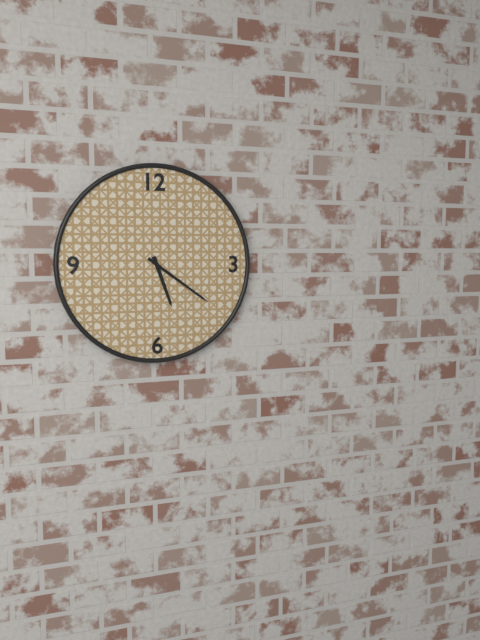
5:21
